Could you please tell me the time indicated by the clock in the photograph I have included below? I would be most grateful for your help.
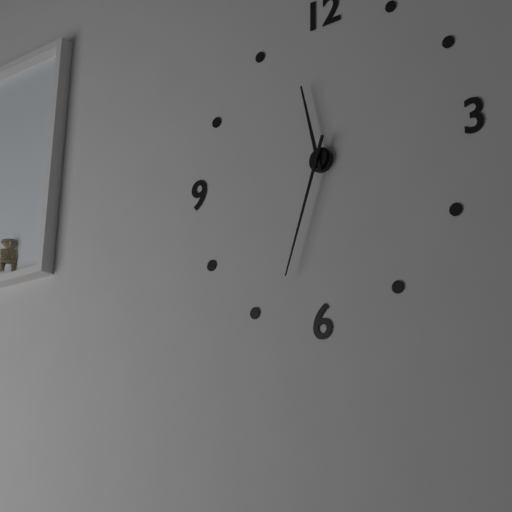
11:33
